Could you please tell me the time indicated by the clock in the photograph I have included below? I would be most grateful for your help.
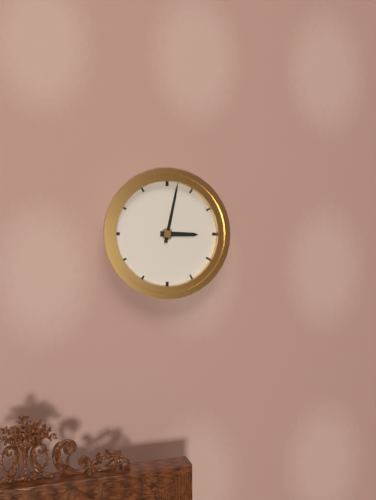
3:02
